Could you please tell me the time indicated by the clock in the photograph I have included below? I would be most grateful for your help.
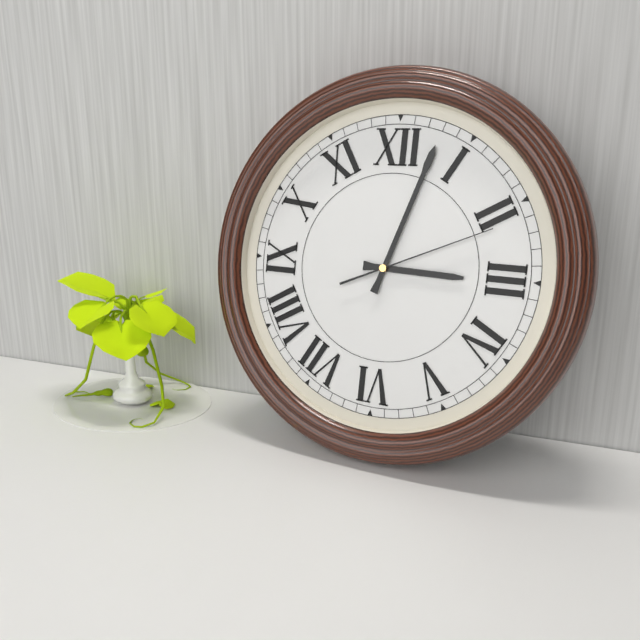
3:03:11
